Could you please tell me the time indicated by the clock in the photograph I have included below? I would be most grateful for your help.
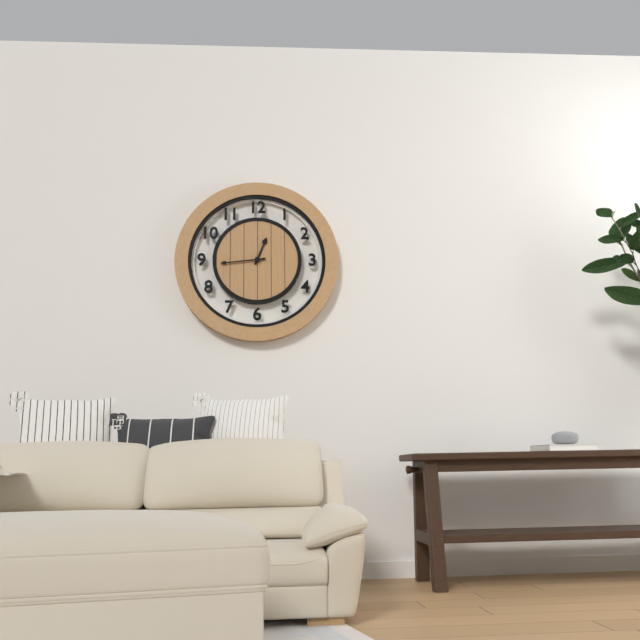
12:44
